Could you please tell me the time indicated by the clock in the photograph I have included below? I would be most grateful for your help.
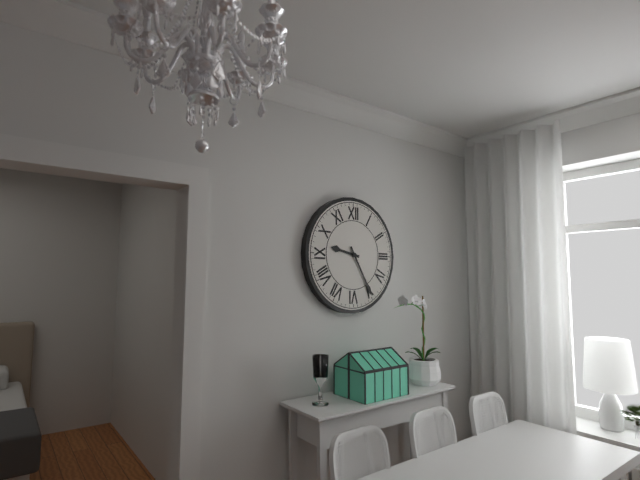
9:25
